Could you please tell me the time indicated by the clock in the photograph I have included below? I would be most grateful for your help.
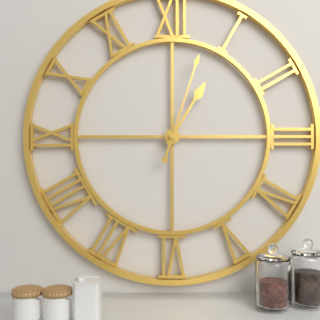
1:03
